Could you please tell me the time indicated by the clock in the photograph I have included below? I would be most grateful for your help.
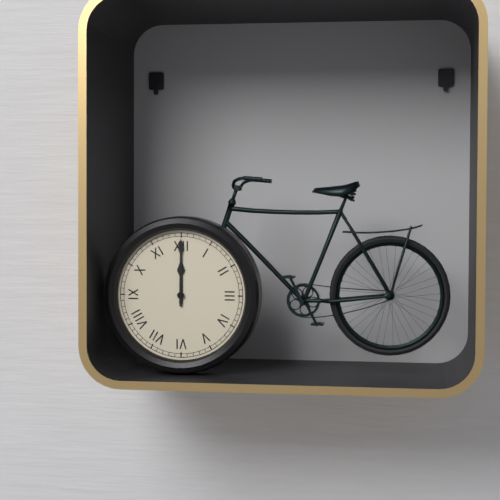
12:00
